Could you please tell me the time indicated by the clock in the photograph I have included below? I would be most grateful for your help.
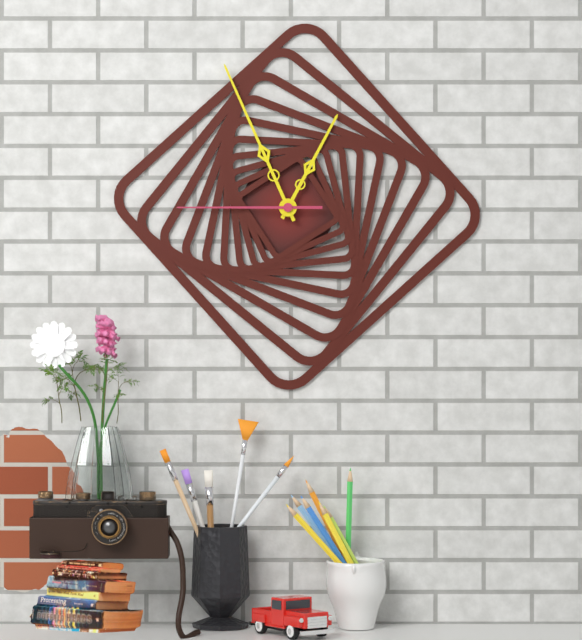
12:56:45
